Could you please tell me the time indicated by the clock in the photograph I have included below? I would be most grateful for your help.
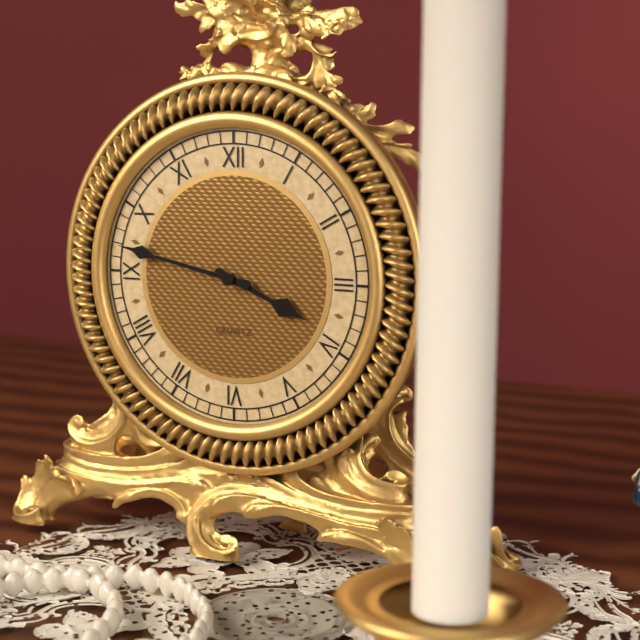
3:47
